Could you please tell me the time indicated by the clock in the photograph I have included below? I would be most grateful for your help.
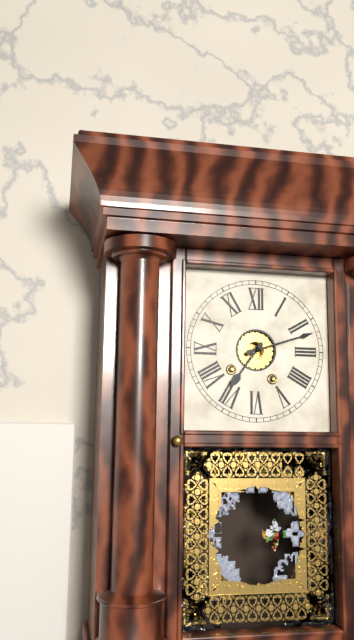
7:12
